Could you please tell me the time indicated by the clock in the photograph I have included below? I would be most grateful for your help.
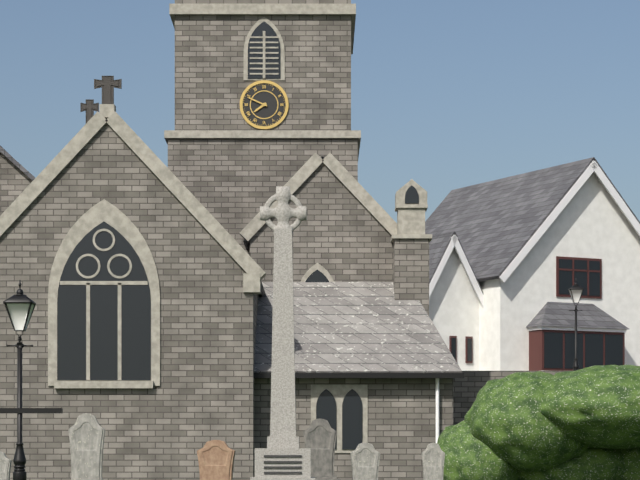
7:49
